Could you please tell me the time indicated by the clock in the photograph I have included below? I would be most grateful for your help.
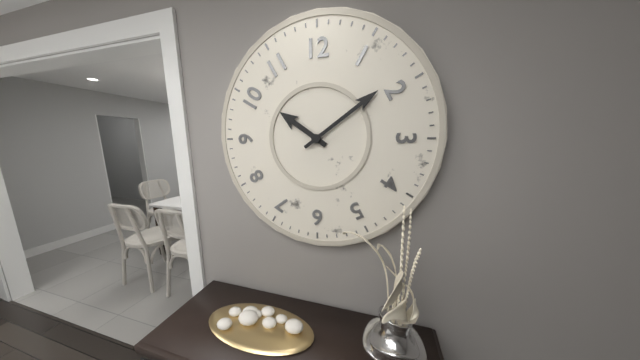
10:09
